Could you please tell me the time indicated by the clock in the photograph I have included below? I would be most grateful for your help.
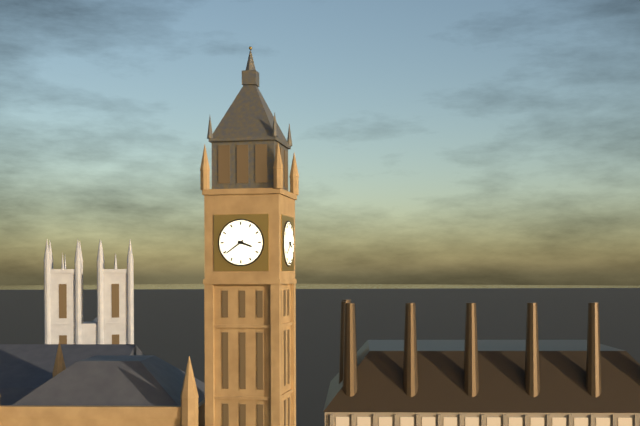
3:39
